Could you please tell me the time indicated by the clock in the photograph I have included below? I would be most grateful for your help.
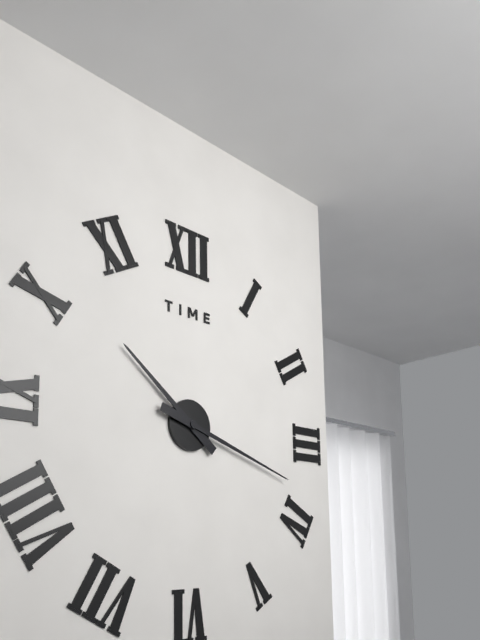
10:18
